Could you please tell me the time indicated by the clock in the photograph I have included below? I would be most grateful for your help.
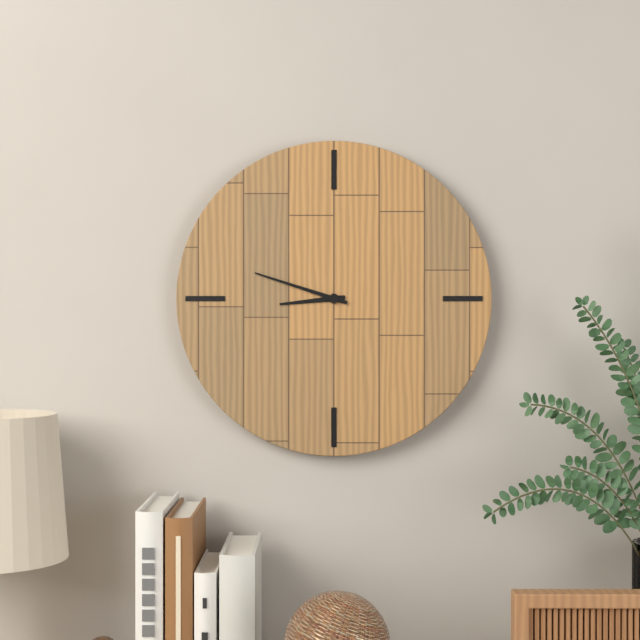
8:48
